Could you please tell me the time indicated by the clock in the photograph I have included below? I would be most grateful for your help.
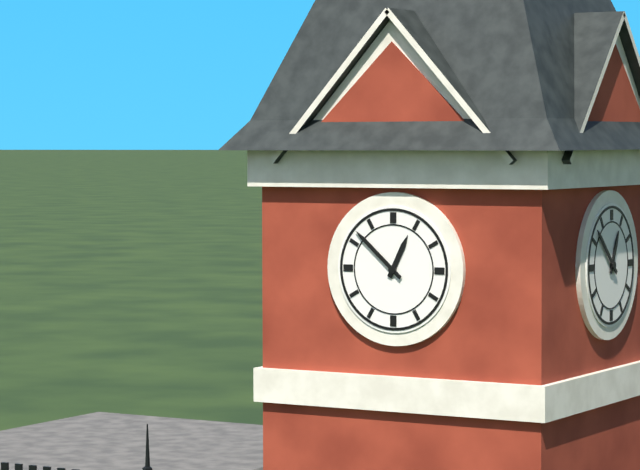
12:52
